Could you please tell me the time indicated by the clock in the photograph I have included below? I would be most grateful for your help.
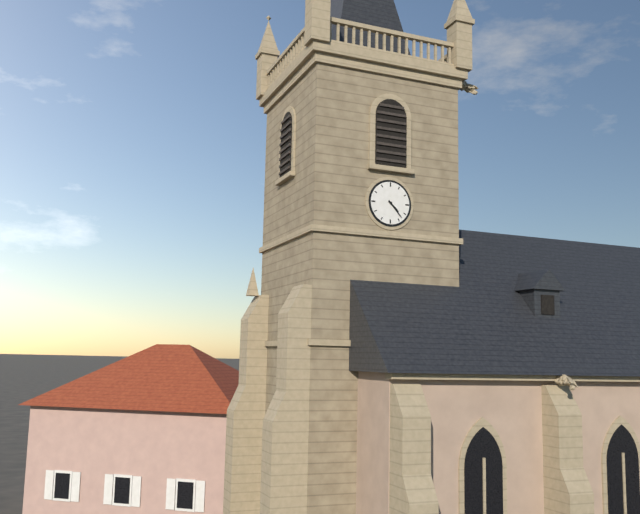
4:23
